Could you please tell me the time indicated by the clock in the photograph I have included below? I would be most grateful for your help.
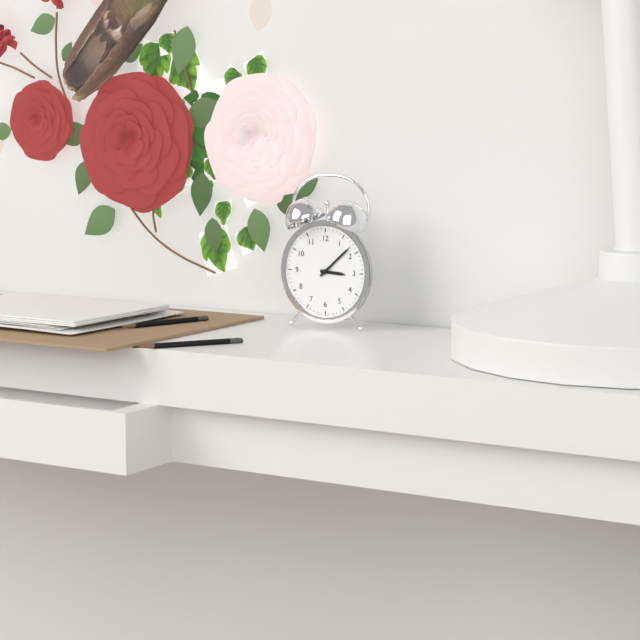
3:08
